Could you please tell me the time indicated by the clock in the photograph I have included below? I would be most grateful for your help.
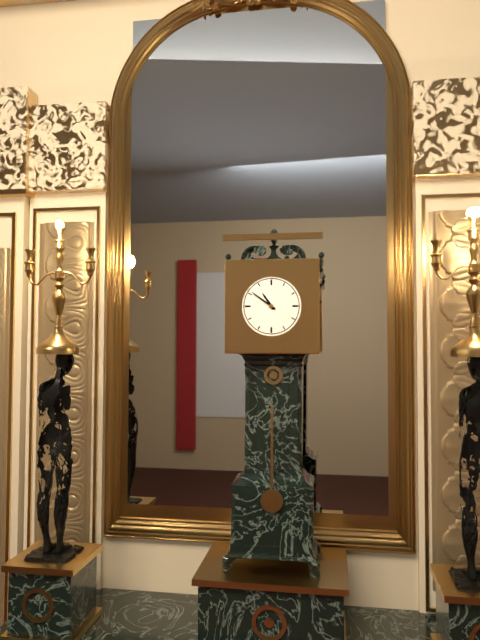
10:51
